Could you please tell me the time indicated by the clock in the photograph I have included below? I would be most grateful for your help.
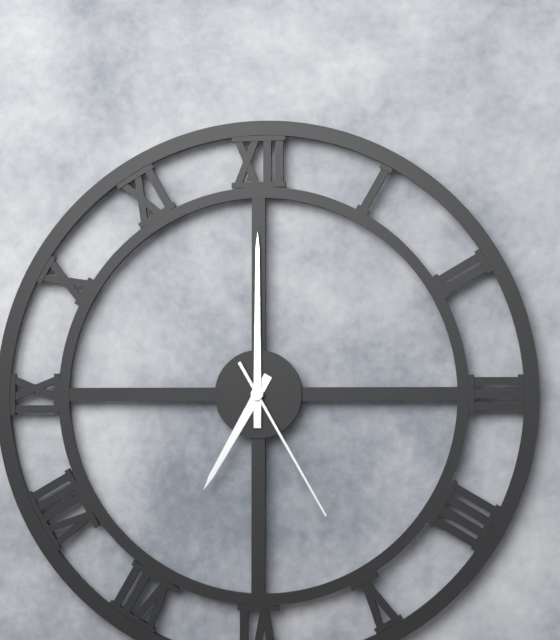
7:00:25
